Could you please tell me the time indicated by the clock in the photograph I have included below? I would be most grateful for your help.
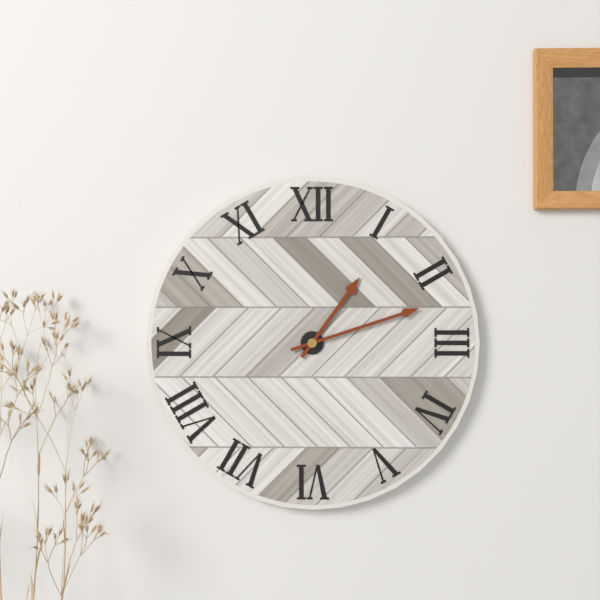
1:12
